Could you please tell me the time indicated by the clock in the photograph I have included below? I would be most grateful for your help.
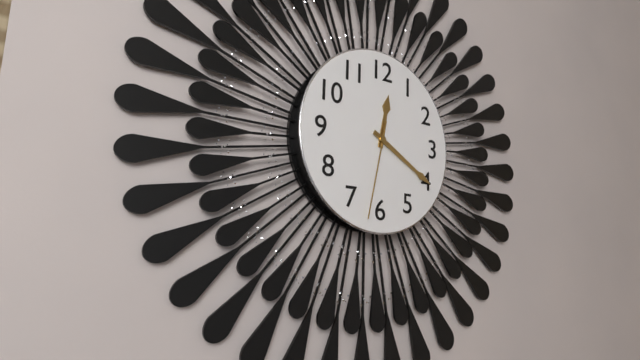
12:20:32
